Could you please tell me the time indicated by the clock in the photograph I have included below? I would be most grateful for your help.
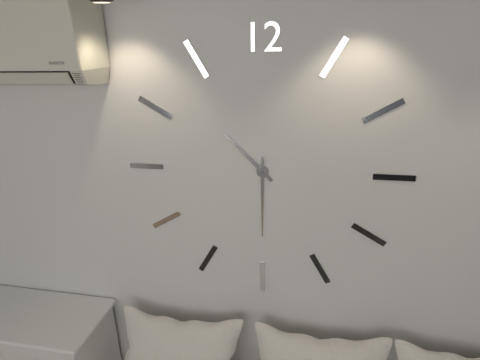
10:30
